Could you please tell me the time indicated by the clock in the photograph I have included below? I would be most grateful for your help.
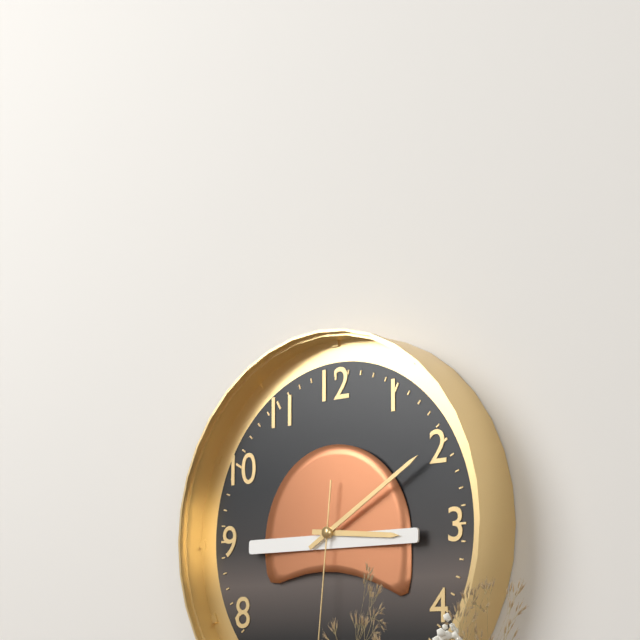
3:10
